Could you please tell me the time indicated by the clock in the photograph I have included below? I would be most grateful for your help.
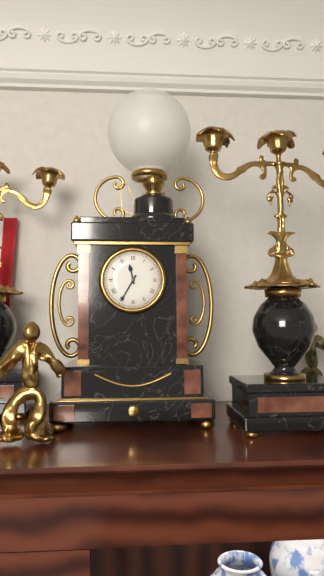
11:35
